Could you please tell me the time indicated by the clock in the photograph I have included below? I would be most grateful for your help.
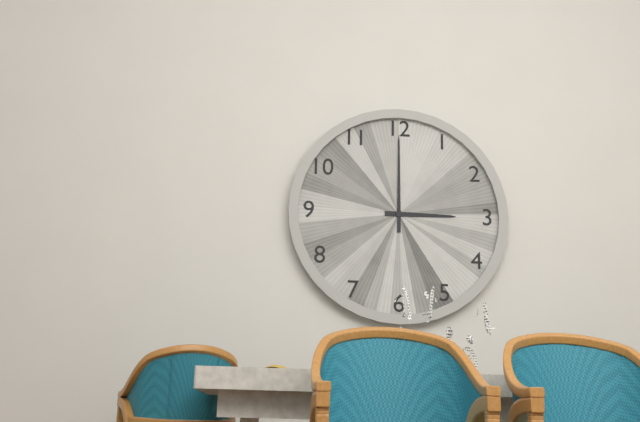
3:00
